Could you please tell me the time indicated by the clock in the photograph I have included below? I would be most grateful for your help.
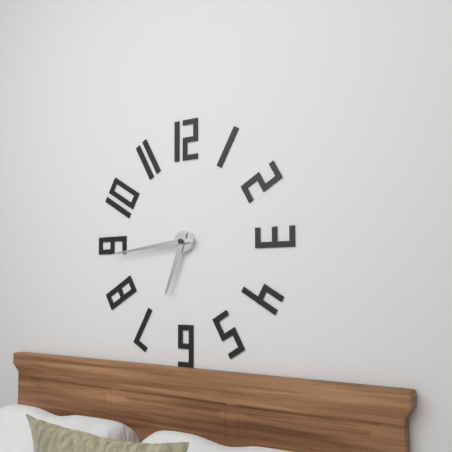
6:44
